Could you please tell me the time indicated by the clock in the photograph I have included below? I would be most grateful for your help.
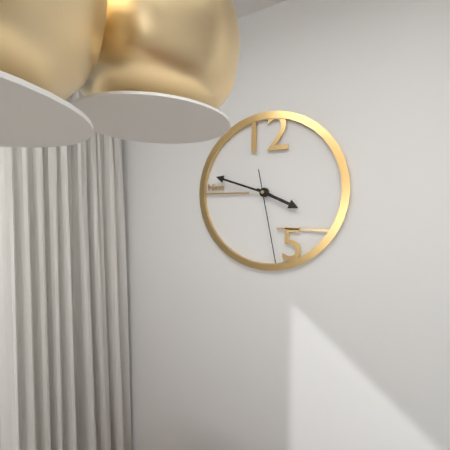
3:48:28
